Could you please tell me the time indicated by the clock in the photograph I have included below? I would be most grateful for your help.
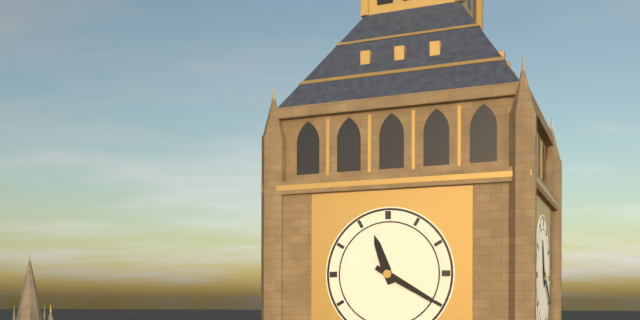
11:20
